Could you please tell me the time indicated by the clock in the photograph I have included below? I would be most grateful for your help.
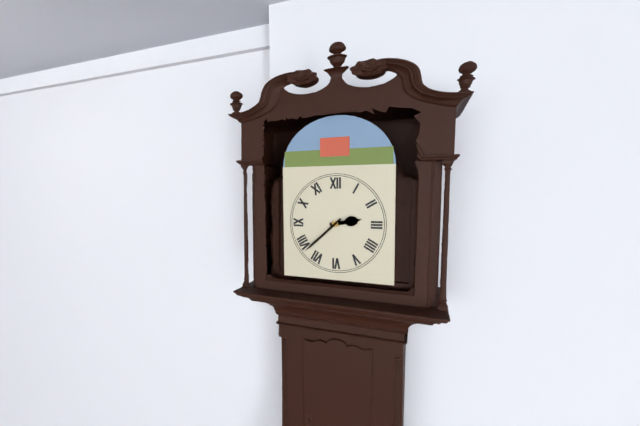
2:38
